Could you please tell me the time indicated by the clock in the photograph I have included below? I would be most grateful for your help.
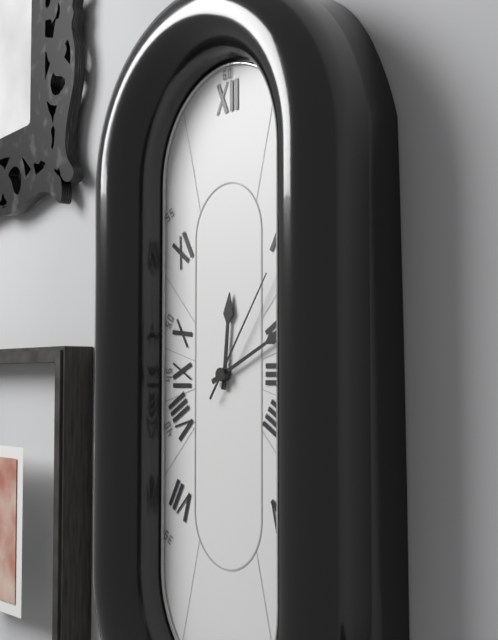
12:11:06
